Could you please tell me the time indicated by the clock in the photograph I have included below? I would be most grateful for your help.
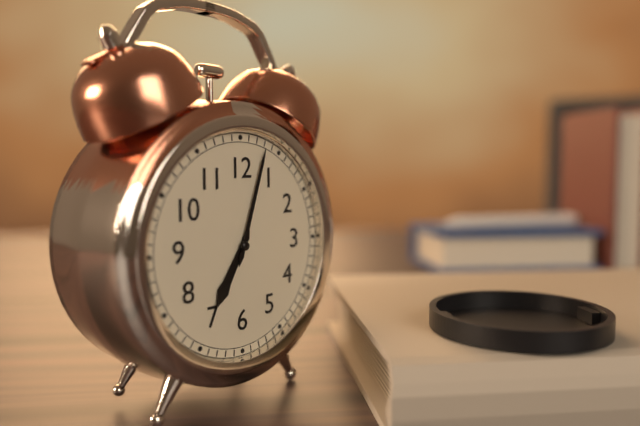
7:03
